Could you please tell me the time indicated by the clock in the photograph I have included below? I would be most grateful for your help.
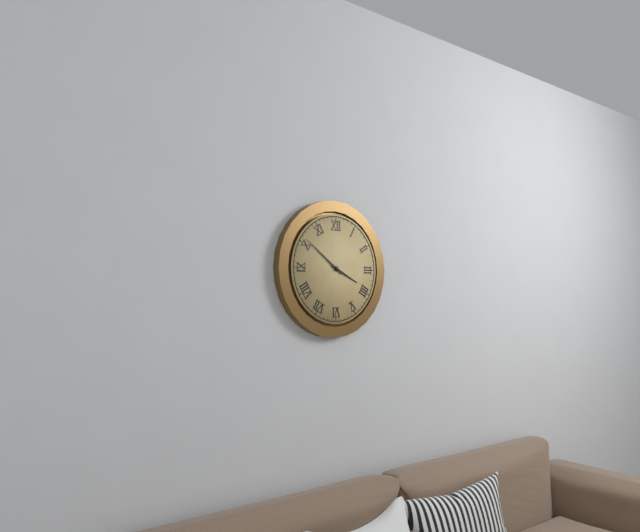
3:51
